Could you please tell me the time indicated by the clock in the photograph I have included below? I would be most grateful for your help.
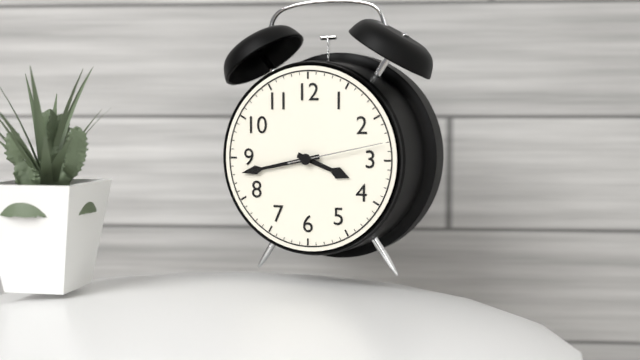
3:43:13
